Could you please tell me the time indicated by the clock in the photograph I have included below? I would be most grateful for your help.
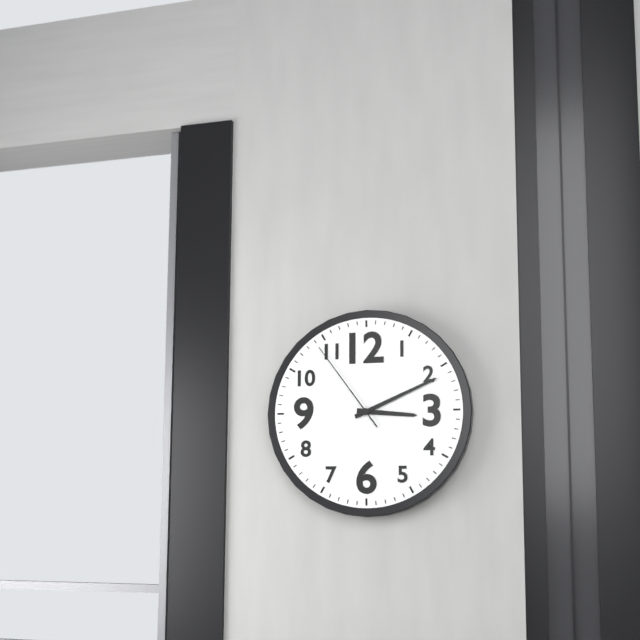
3:11:54
